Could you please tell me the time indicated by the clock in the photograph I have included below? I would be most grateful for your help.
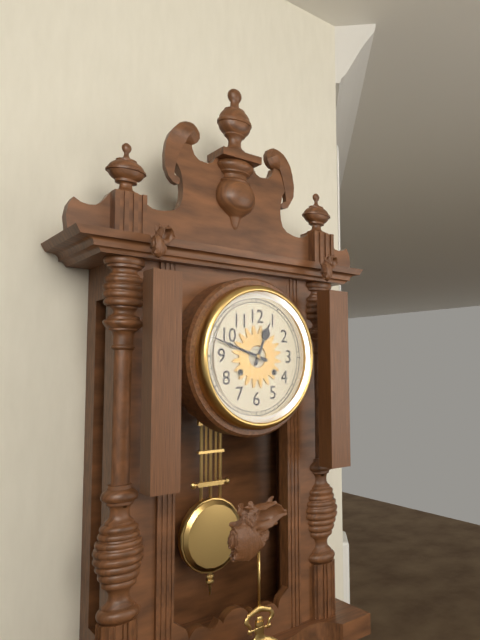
12:48
